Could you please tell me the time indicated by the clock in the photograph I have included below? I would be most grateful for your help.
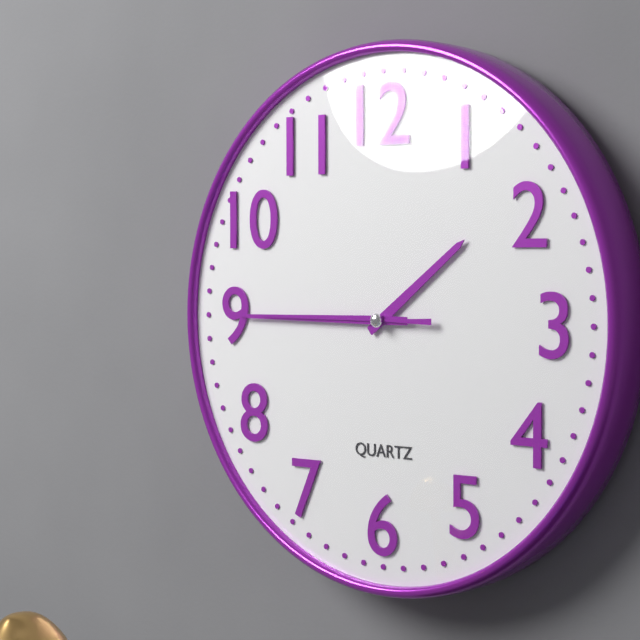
1:45:45
